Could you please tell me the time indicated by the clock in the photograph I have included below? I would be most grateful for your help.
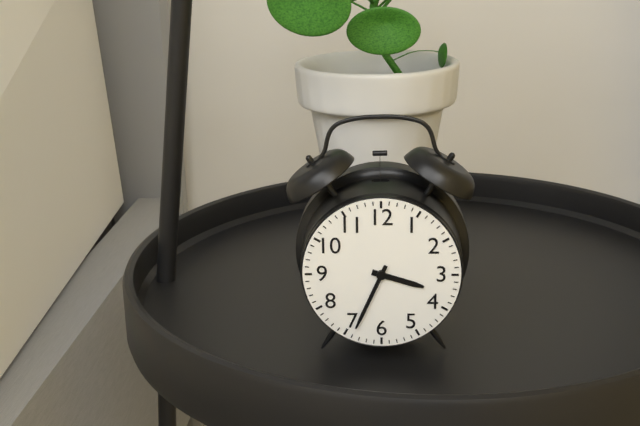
3:34
